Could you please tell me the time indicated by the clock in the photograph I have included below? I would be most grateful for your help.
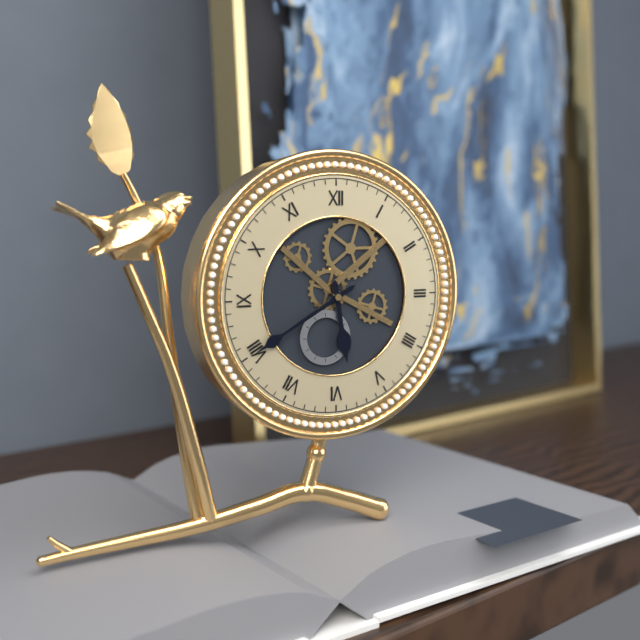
5:40
